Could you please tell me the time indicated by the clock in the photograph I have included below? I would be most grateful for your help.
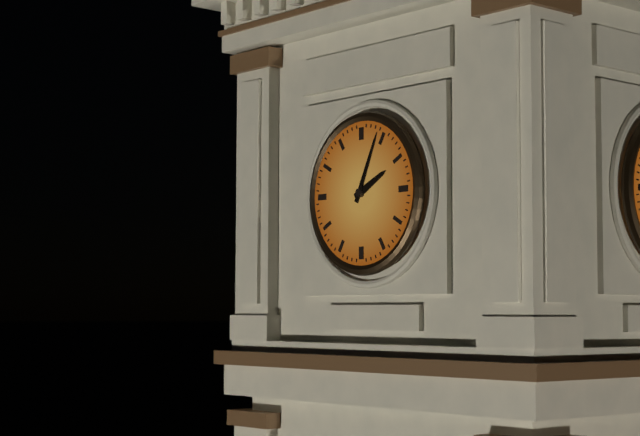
2:04
